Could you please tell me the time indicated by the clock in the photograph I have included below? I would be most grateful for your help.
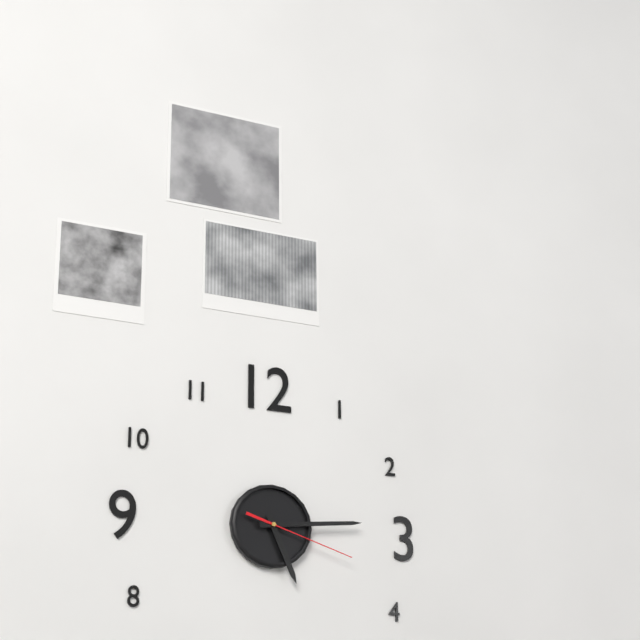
5:14:18
